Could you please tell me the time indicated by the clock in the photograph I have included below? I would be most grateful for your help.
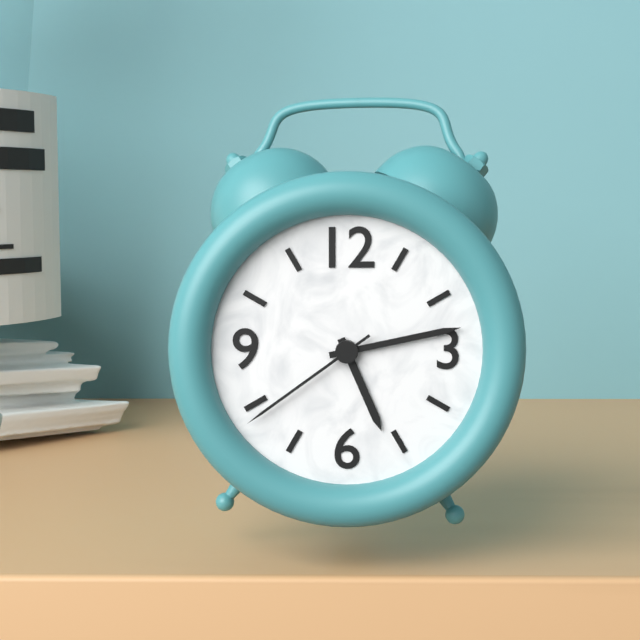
5:13:39
